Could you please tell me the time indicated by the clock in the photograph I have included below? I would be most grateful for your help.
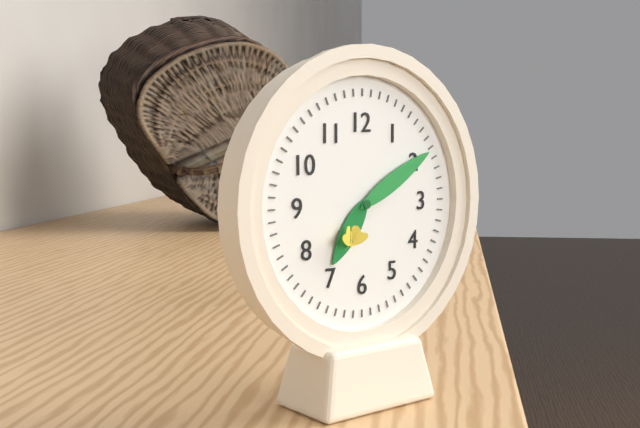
7:10
